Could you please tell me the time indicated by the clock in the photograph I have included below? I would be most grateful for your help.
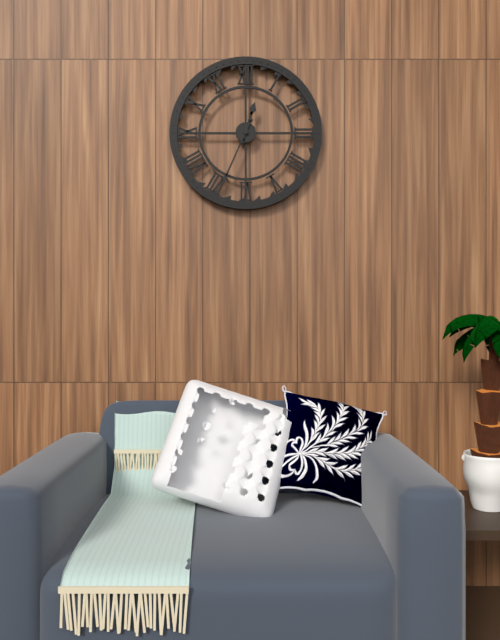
12:34
